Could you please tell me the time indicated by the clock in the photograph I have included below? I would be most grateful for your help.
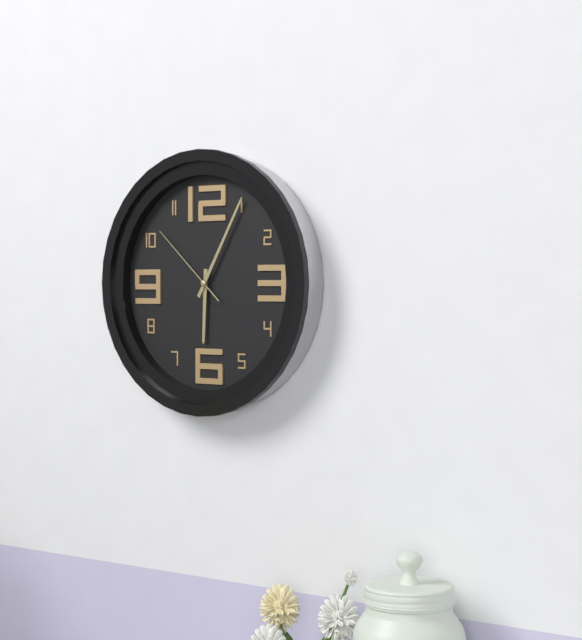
6:05:52
